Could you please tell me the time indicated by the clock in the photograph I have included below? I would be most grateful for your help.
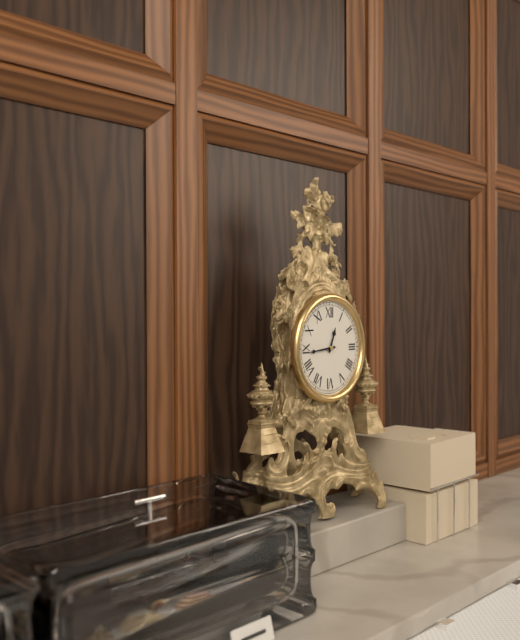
12:44
